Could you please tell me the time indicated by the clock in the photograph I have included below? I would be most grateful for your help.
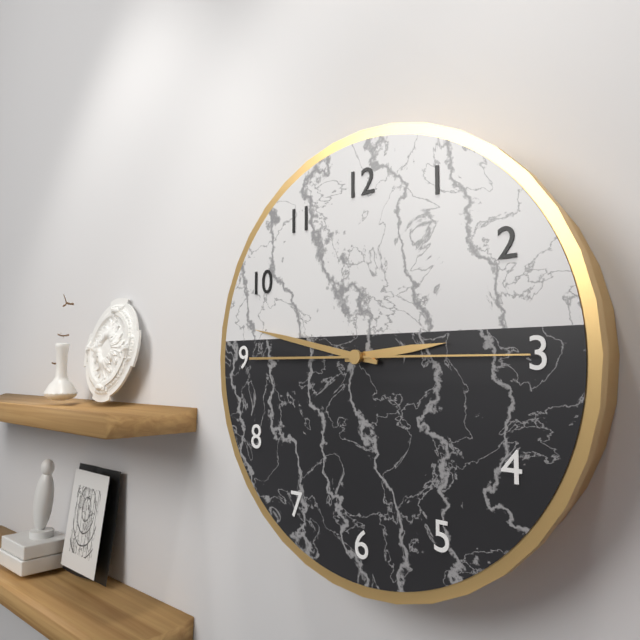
2:47:15
